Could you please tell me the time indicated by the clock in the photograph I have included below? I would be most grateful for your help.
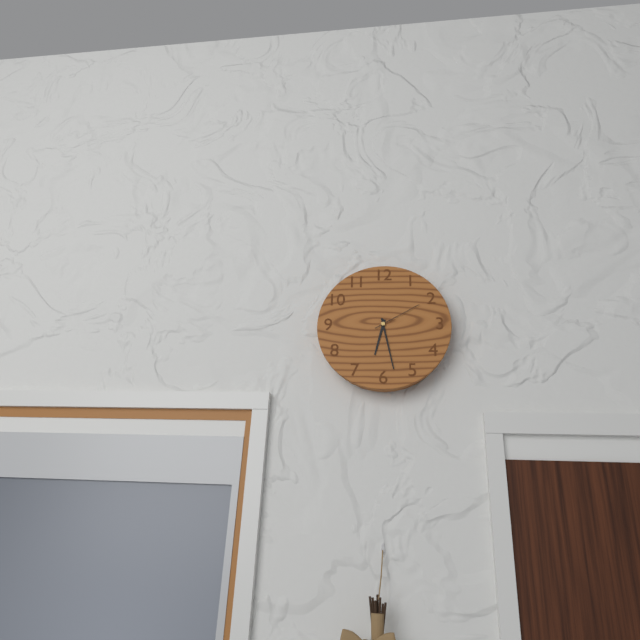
6:28:10
